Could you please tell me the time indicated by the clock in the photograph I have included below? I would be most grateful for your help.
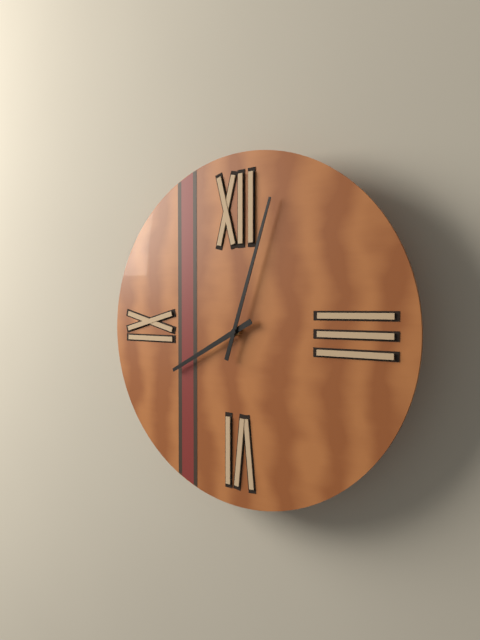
8:03
